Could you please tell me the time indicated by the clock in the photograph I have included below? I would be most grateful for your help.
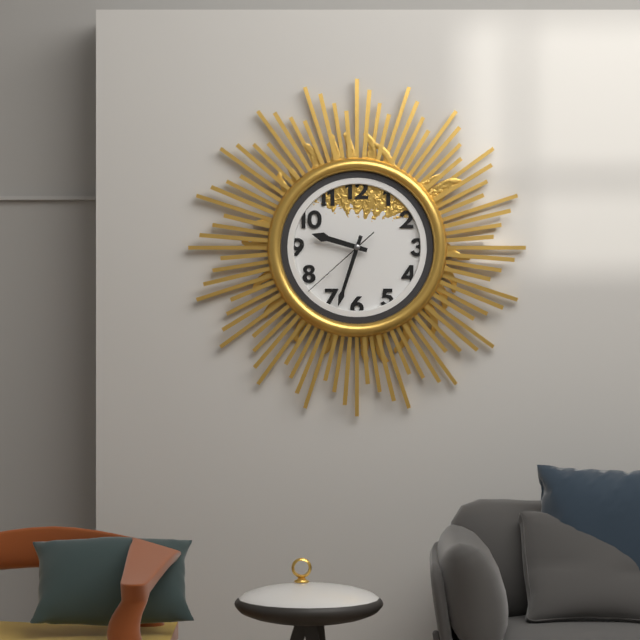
9:33:38
